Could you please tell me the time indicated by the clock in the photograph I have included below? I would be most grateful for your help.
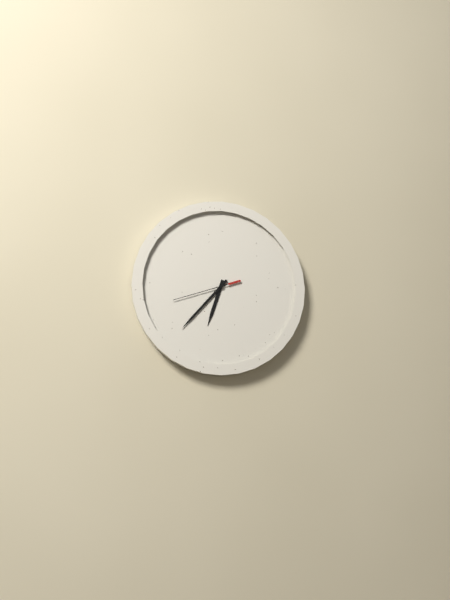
6:37:42
